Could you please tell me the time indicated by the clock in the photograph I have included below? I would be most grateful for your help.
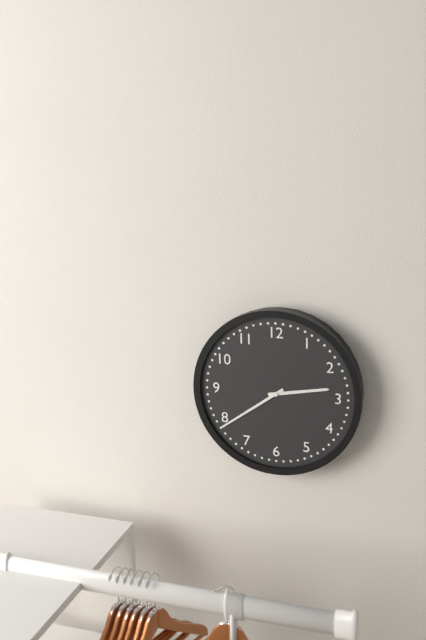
2:39
